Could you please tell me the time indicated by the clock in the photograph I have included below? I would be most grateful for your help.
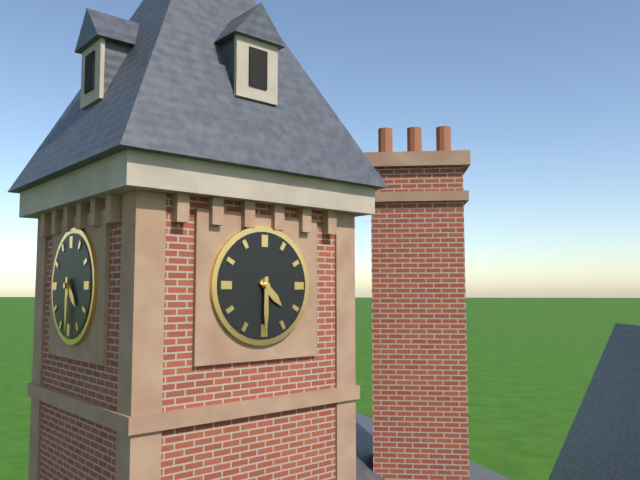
4:30
